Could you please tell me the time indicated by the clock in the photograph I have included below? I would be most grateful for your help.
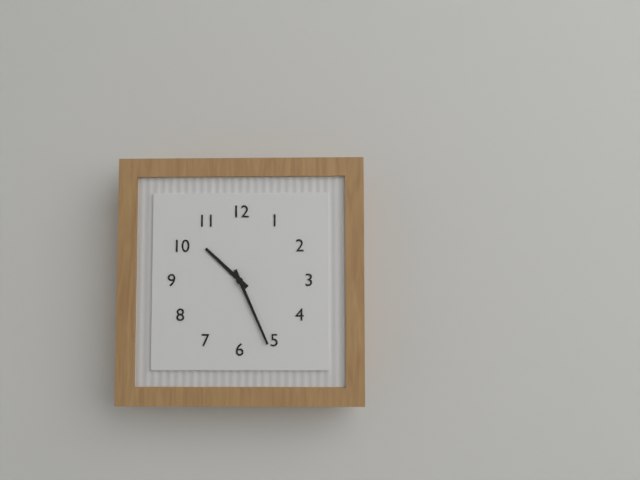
10:26
